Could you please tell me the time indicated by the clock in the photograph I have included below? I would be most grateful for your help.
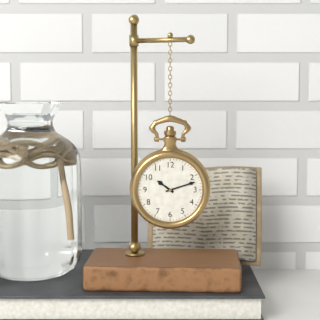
10:12
